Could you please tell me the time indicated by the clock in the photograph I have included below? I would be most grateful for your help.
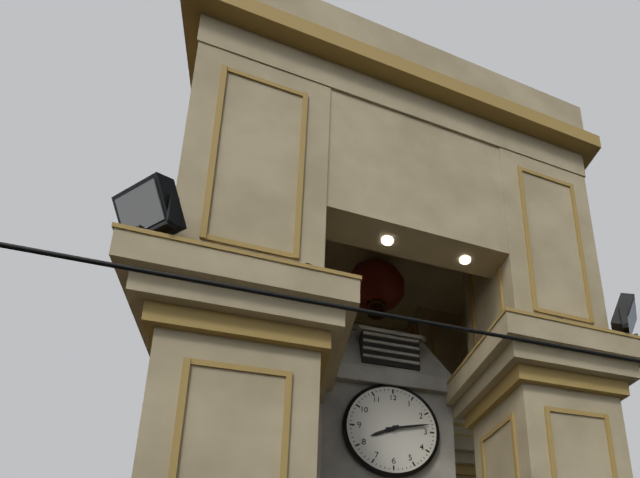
8:13
